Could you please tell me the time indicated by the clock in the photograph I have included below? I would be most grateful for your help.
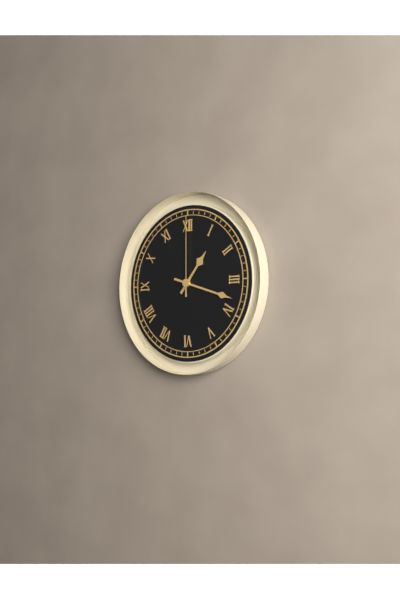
1:18:00
